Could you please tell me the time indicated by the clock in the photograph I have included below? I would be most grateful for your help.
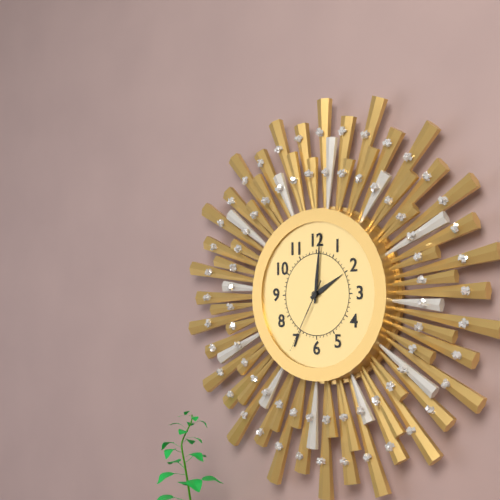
2:01:35
